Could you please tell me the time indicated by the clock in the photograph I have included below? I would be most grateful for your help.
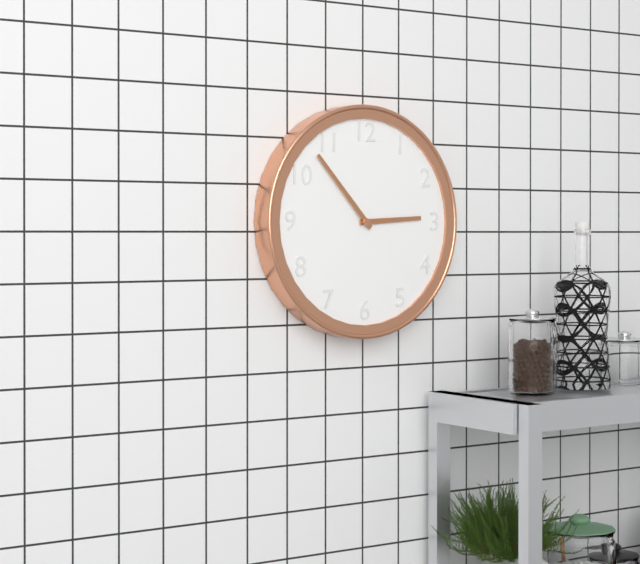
2:53
